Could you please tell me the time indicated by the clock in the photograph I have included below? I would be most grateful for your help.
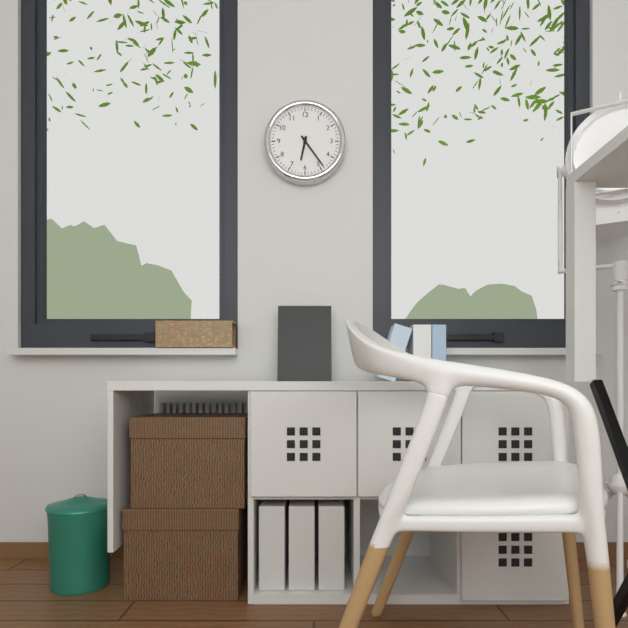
6:24
